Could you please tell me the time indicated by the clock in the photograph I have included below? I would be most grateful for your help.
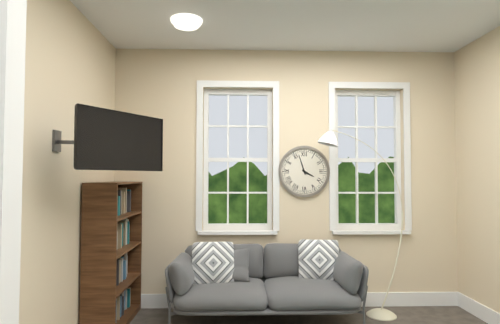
3:57
